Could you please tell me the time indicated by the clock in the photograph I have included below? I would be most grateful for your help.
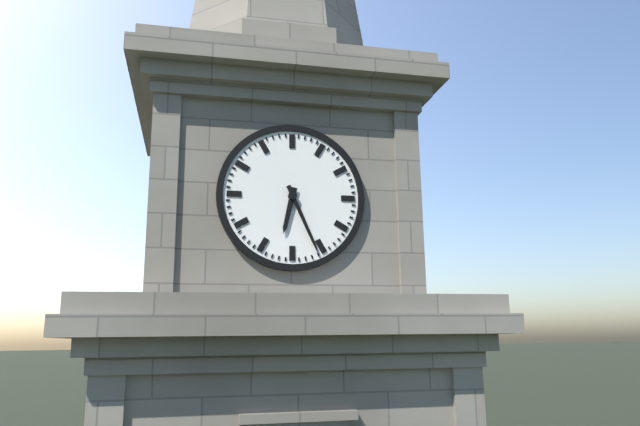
6:26
